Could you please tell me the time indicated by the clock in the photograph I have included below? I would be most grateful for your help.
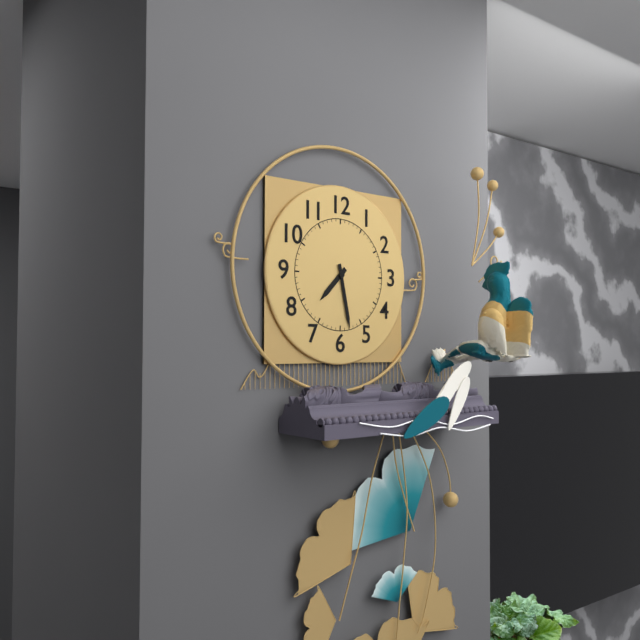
7:28
